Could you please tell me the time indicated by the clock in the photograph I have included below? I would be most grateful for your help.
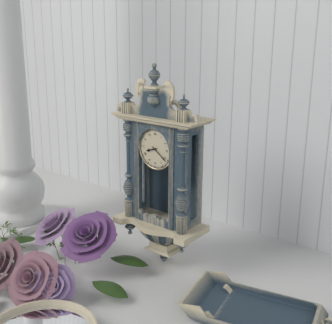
8:21
